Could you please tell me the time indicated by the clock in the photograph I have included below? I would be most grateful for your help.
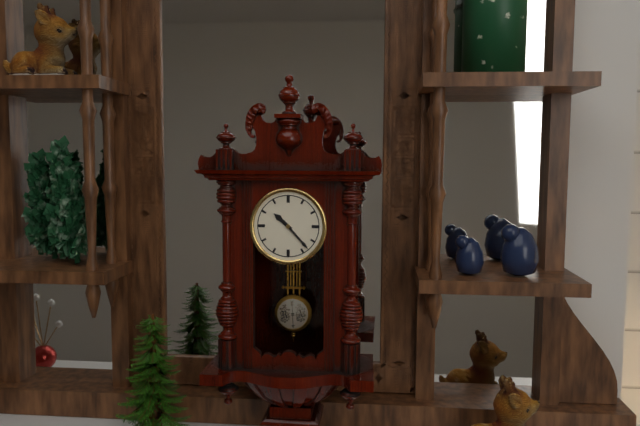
10:23
